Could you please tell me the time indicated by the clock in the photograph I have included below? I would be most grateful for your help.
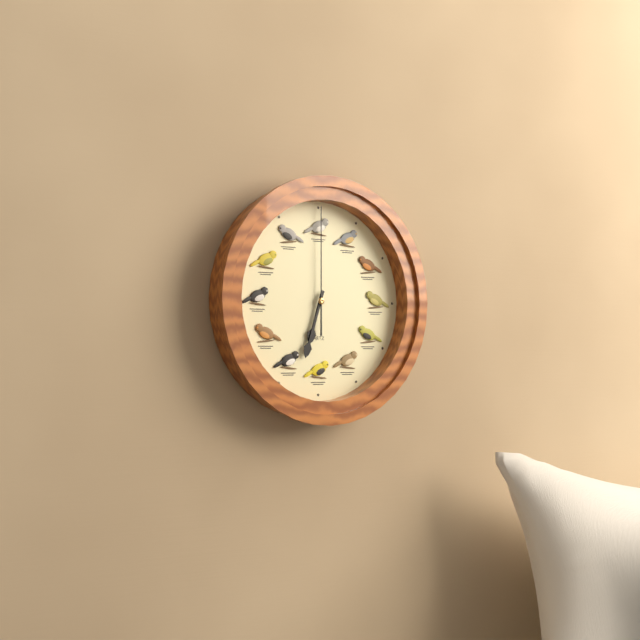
6:33:00
